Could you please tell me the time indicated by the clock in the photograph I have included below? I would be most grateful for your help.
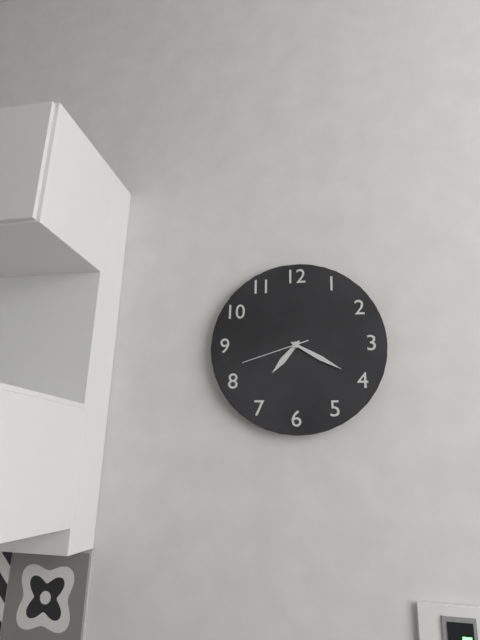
7:20:42
